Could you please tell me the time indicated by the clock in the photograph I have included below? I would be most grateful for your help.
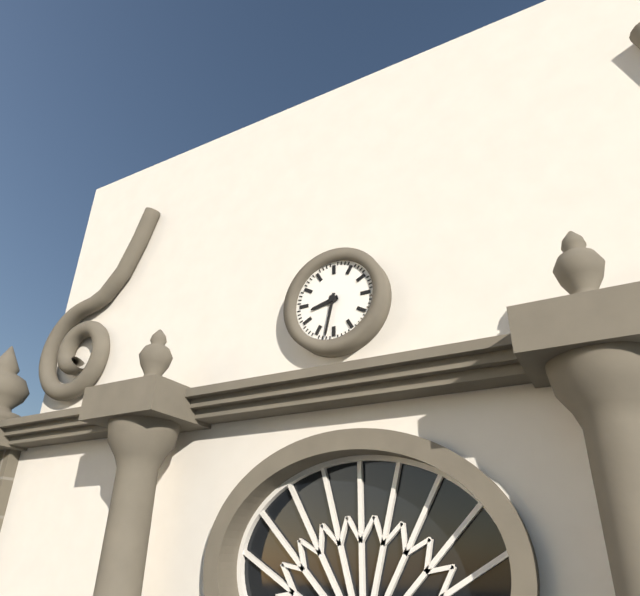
8:32
